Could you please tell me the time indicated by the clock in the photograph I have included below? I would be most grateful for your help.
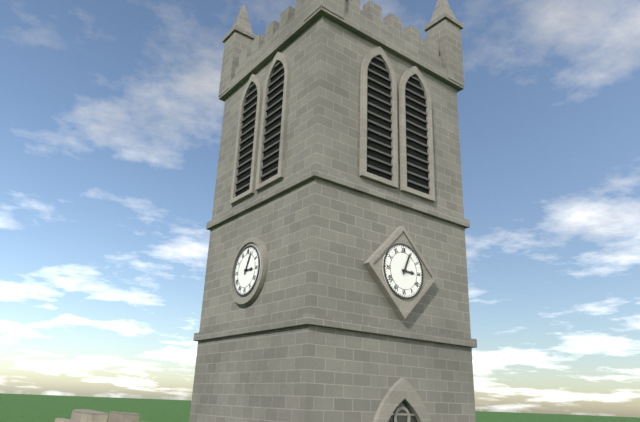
3:04
